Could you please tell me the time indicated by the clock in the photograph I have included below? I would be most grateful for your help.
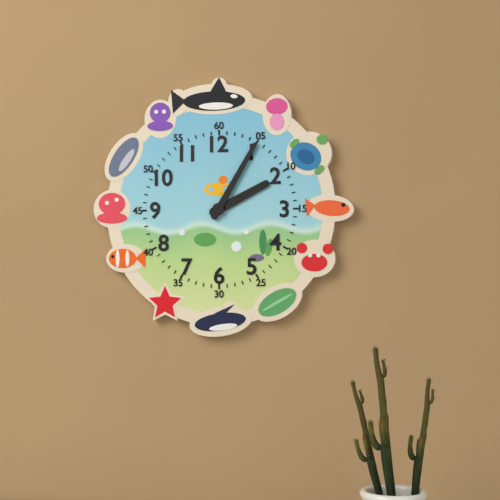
2:05
